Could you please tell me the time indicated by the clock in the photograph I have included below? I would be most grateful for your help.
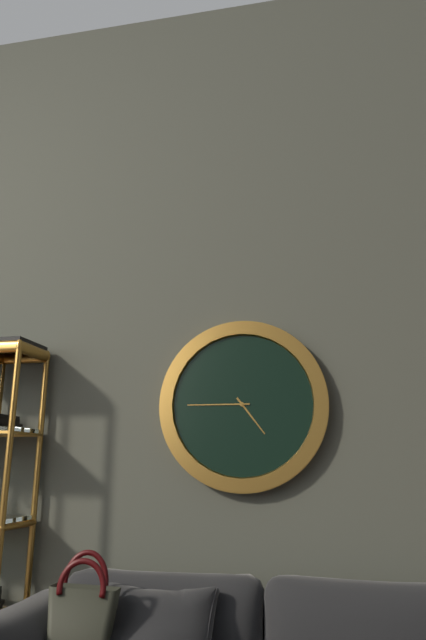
4:45
